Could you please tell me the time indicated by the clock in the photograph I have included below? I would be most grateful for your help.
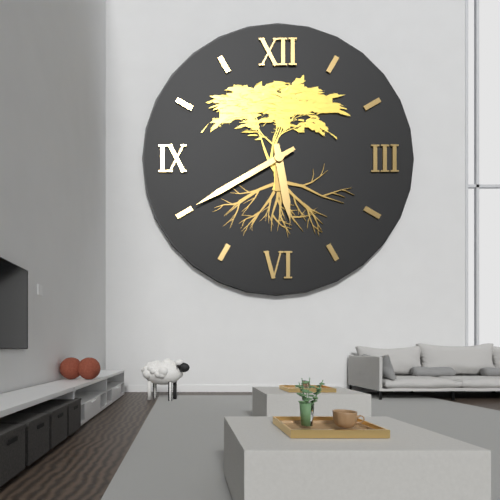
5:40
